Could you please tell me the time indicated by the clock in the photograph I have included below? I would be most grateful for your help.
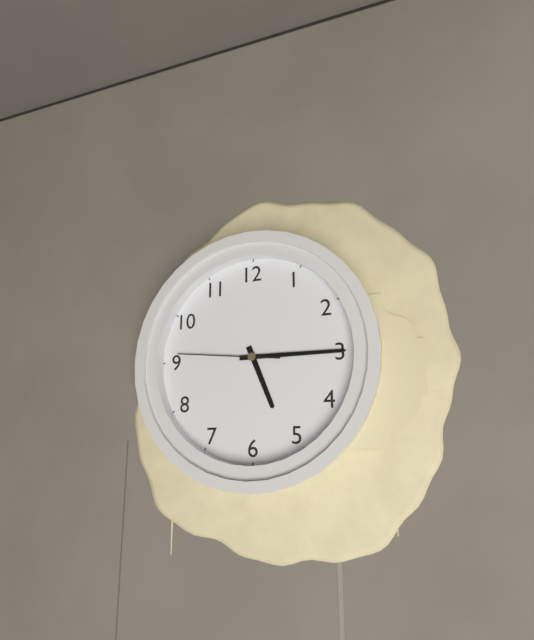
5:15:46
